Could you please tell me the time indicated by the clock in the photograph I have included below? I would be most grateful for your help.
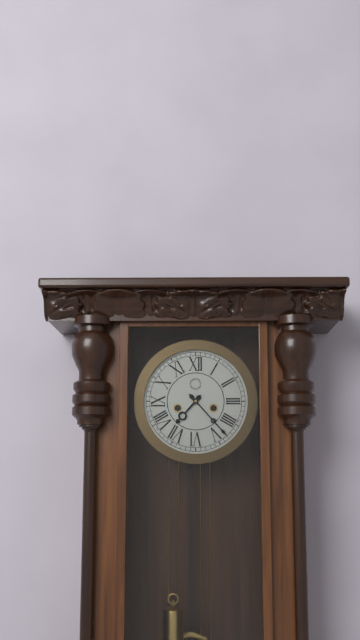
7:23
